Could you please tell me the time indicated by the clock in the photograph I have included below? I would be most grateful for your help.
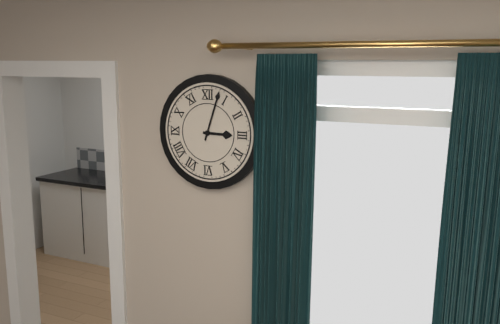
3:03
